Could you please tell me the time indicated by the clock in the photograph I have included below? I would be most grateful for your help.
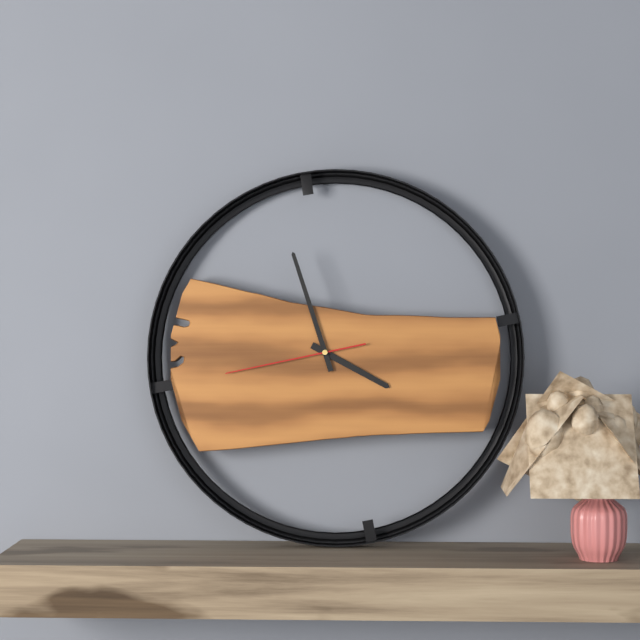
3:57:43
